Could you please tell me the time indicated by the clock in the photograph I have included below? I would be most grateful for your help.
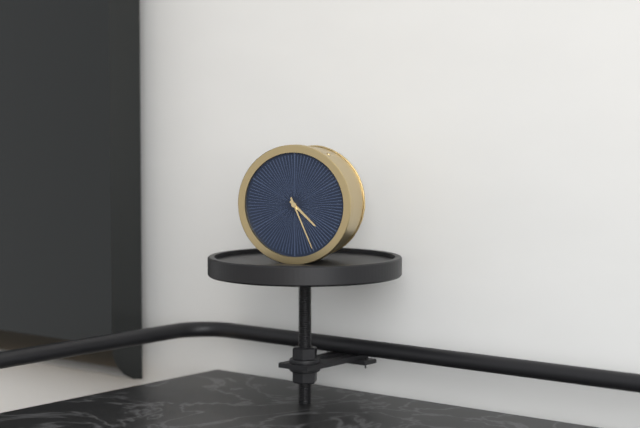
4:26
